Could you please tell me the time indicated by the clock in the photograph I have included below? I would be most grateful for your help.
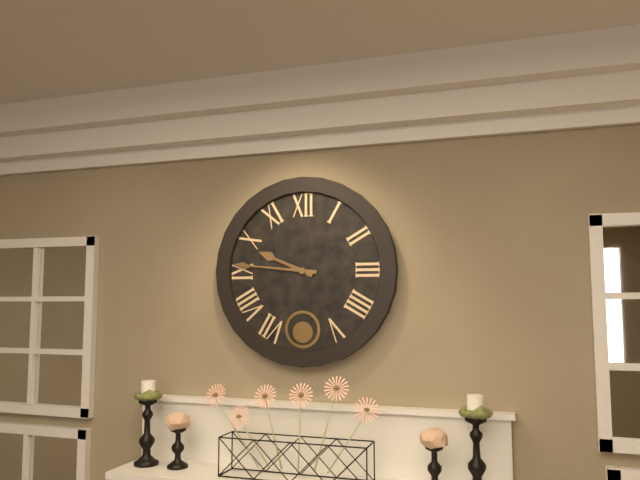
9:46
